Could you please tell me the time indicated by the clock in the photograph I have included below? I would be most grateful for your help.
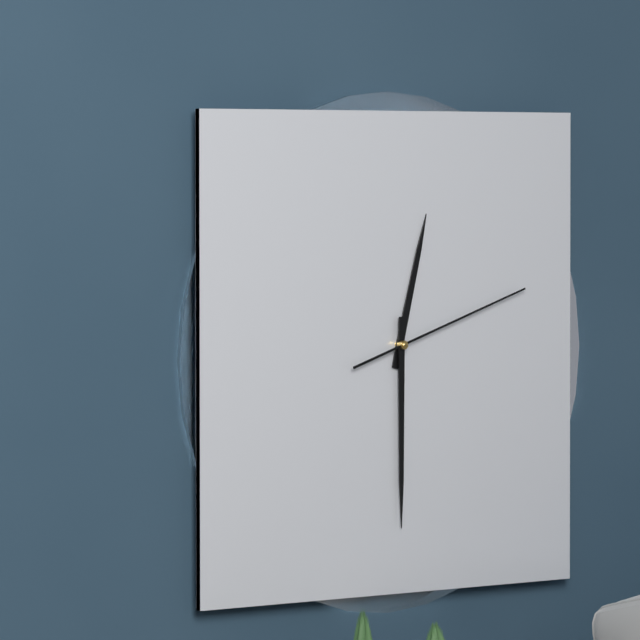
12:30:12
